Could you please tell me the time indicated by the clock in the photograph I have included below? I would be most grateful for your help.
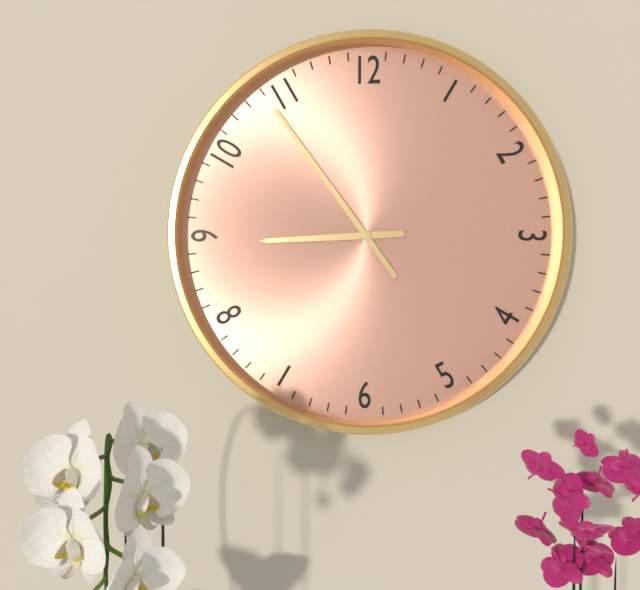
8:54
